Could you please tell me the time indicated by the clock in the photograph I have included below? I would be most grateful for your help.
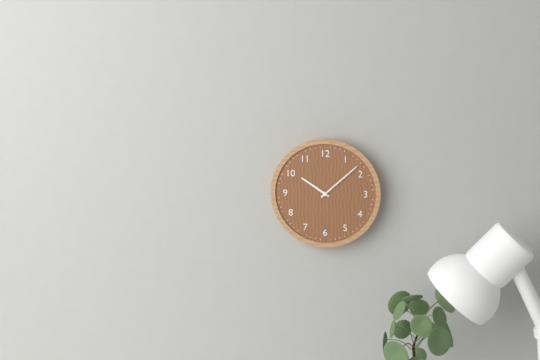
10:08
